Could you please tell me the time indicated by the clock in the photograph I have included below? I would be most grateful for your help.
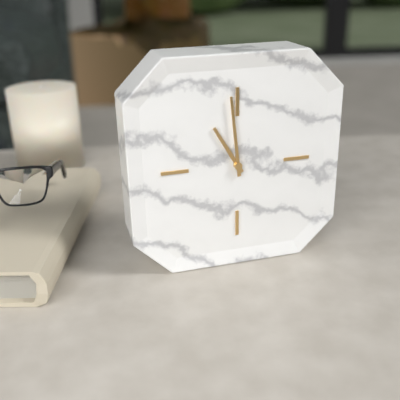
10:59
